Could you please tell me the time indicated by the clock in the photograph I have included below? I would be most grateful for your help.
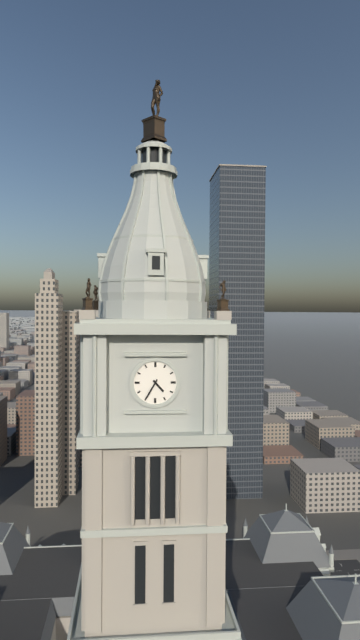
4:35
